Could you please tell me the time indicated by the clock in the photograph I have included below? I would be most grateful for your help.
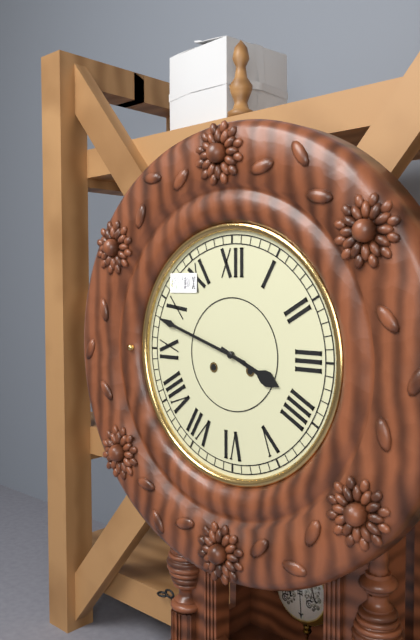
3:48
